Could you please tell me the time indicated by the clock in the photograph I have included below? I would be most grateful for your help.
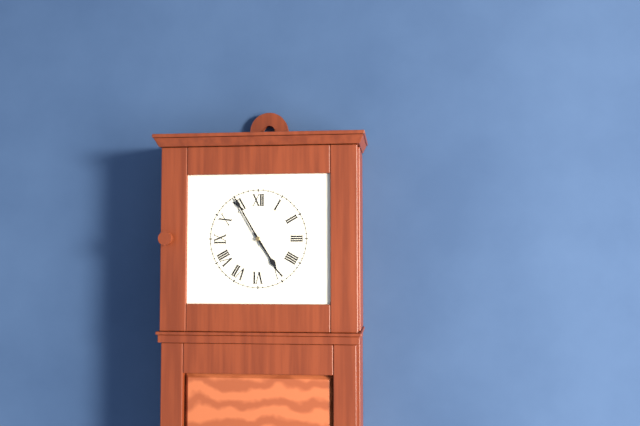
4:55
